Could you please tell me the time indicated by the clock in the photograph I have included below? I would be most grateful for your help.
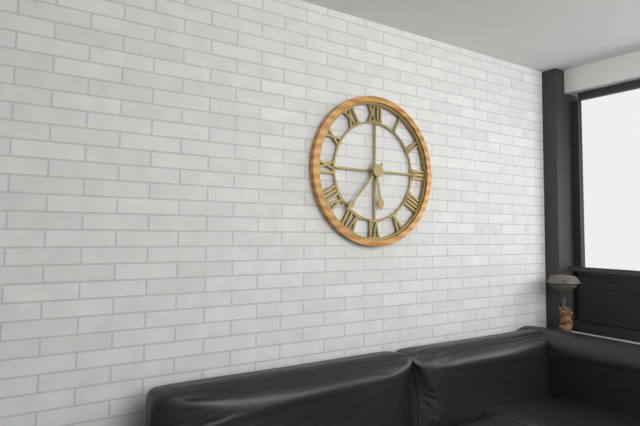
5:37
